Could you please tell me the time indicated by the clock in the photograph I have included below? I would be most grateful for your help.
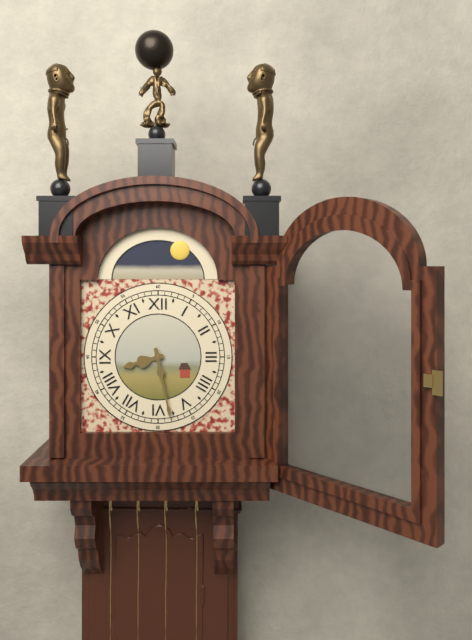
8:28
